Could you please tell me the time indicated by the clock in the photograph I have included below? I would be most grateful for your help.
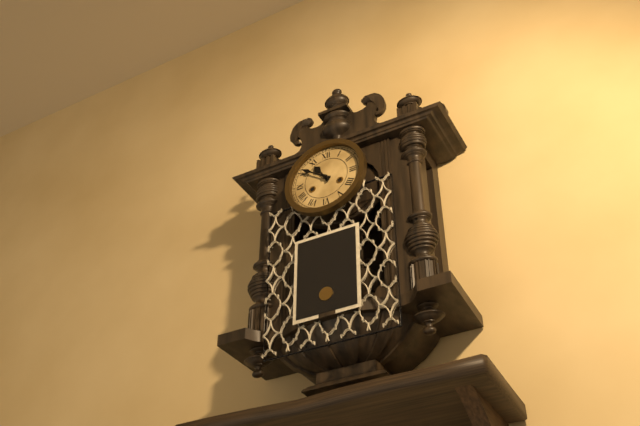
10:51
